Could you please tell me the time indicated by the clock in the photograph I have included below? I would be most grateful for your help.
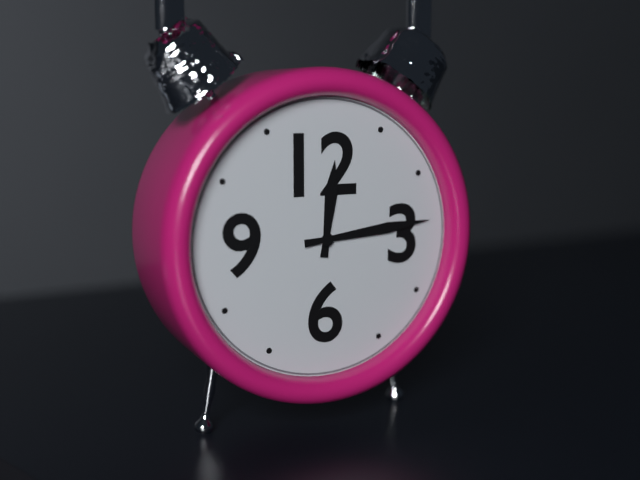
12:14
